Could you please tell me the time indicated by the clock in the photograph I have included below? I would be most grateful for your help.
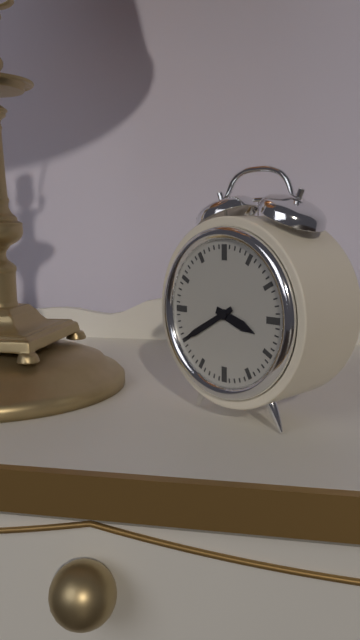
3:40
